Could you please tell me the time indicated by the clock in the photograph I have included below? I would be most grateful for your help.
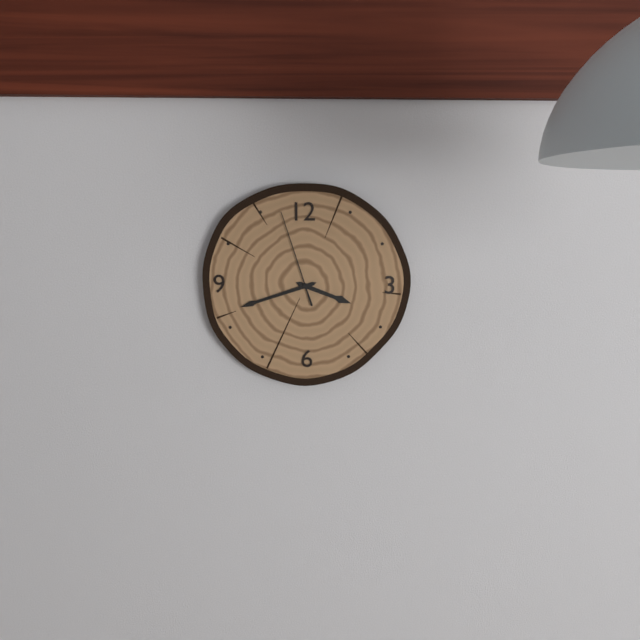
3:42:57
